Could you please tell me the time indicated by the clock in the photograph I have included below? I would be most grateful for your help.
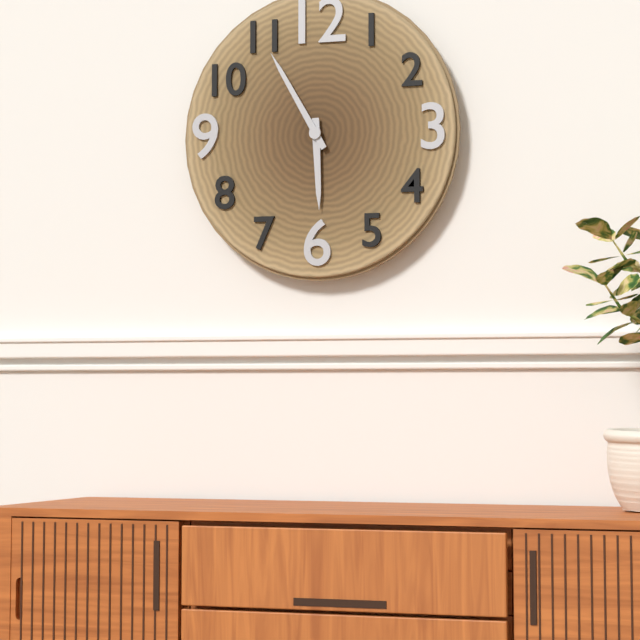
5:55
